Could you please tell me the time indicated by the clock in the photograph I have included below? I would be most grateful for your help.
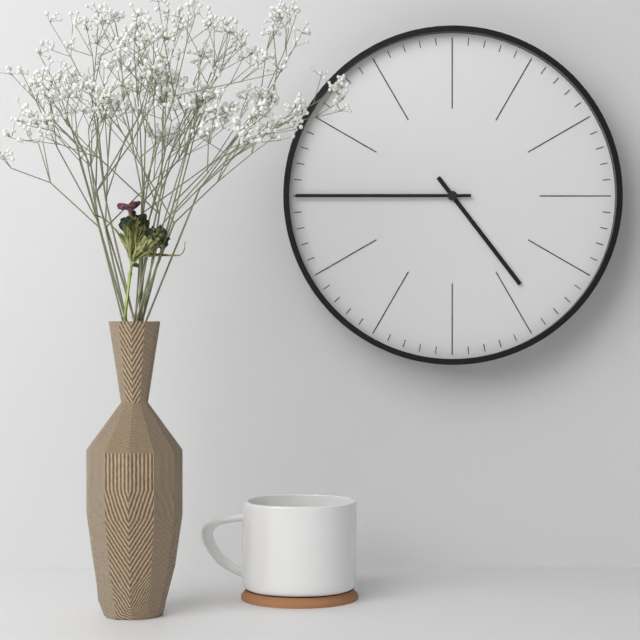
4:45
